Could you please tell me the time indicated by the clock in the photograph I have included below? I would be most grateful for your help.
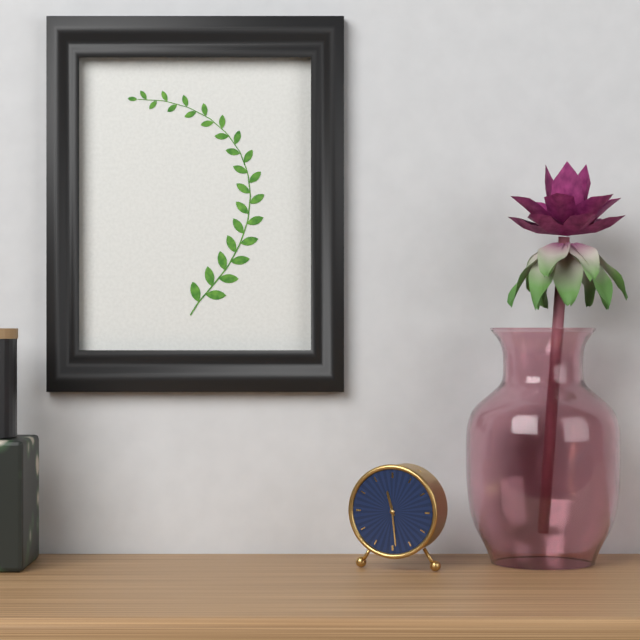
11:29
